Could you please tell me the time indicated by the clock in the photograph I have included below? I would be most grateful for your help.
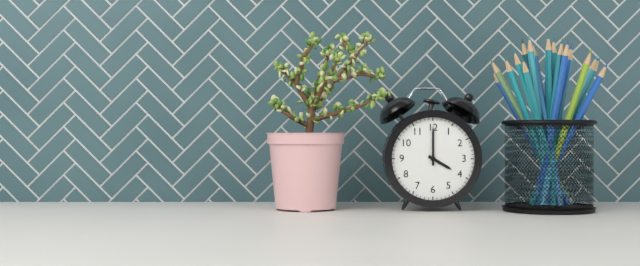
4:00
